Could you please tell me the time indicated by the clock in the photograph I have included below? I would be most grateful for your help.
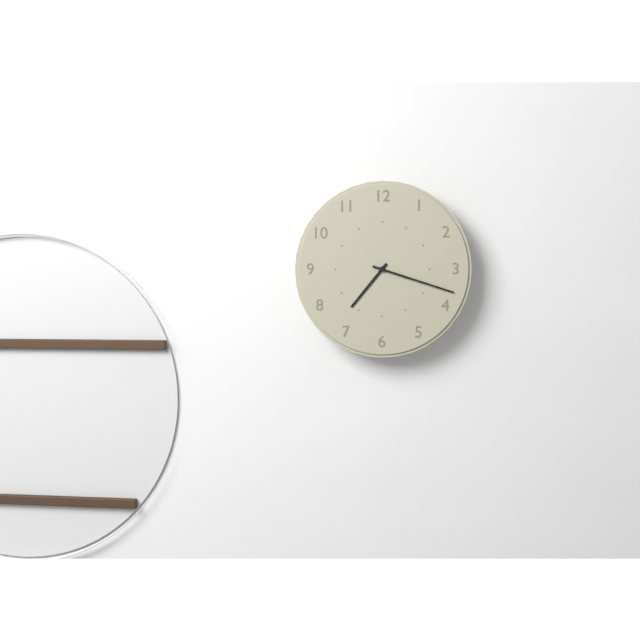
7:18
